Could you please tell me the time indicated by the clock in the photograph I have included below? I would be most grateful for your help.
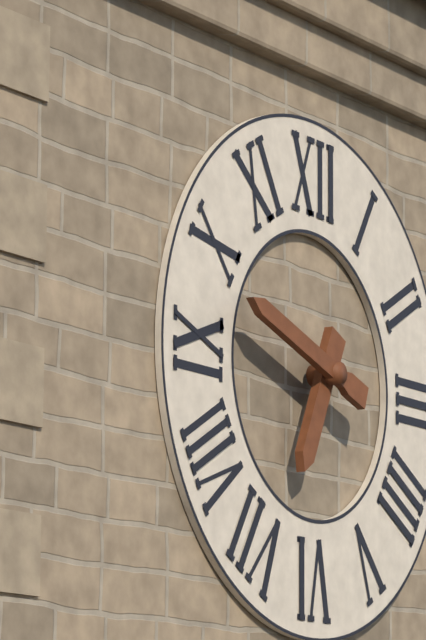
6:48
